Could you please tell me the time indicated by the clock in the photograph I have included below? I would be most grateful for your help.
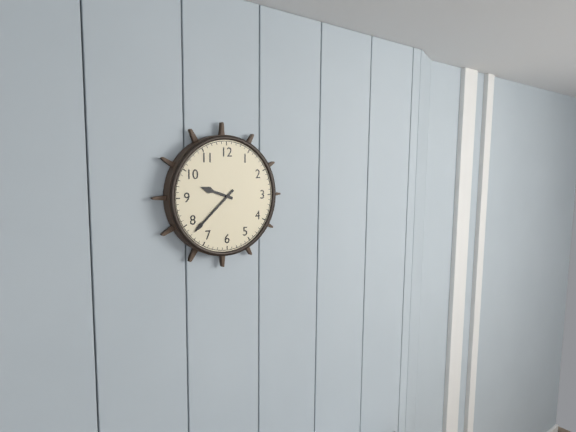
9:38
